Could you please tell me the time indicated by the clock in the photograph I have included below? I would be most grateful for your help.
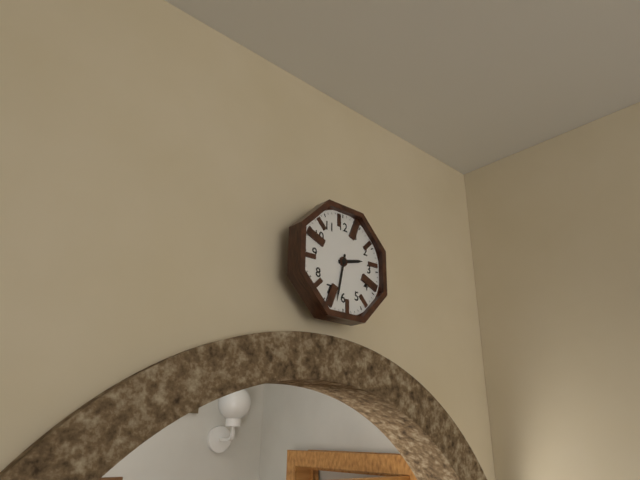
2:32
